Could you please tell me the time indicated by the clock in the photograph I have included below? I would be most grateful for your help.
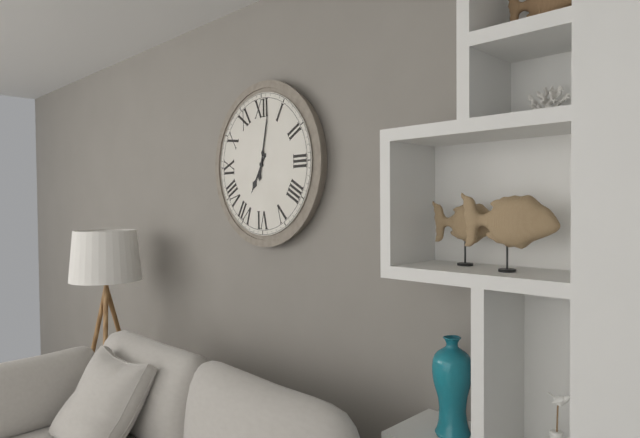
7:02
